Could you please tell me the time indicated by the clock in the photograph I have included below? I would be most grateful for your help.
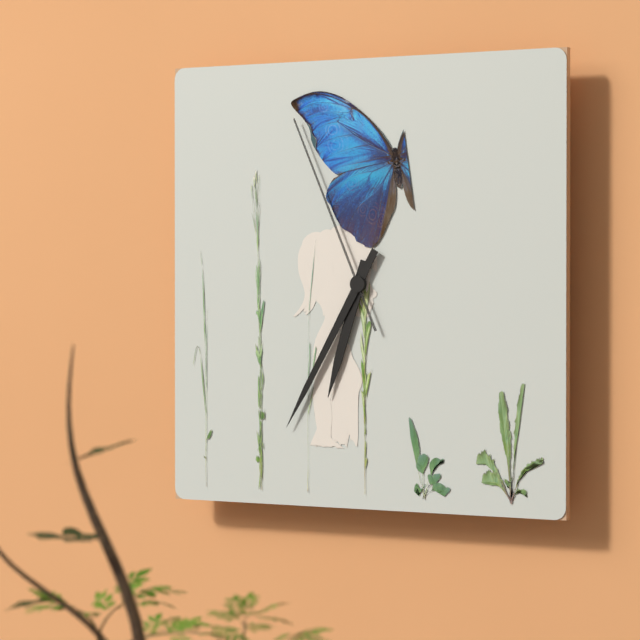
6:35:56
